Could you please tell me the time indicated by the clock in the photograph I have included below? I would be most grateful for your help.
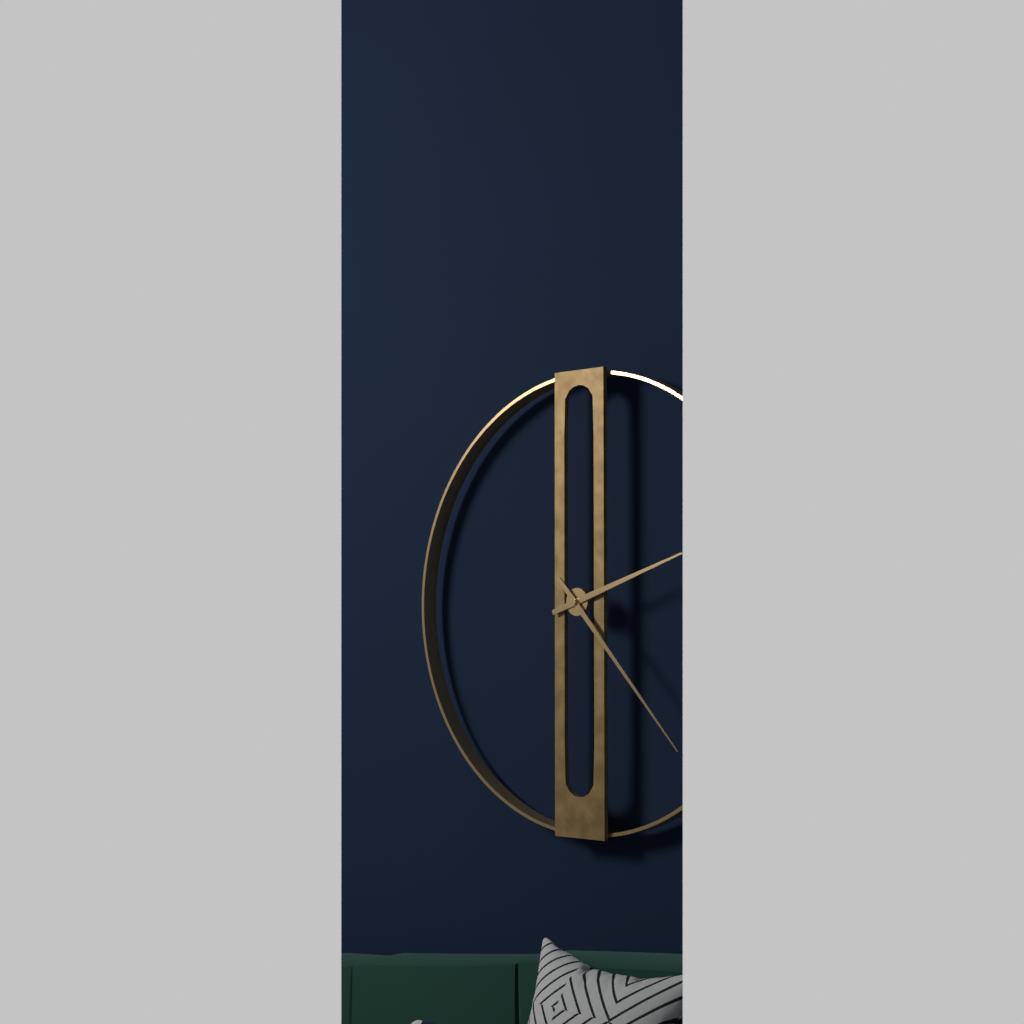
2:23
